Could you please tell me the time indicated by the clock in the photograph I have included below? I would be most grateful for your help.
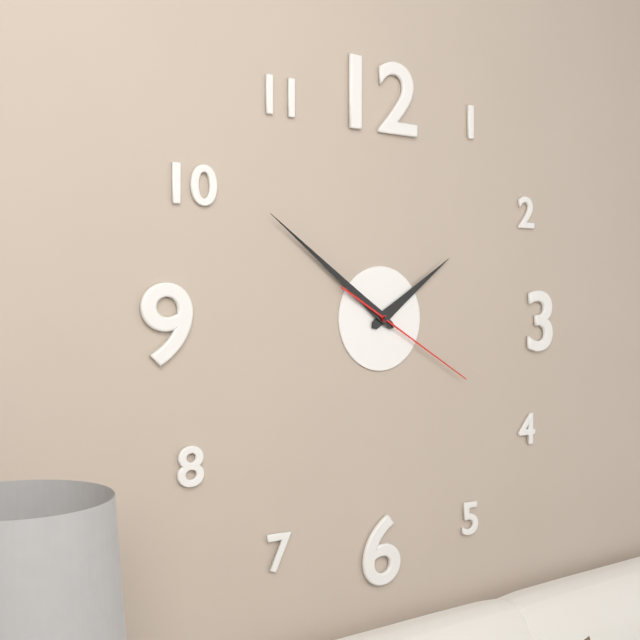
1:51:20
